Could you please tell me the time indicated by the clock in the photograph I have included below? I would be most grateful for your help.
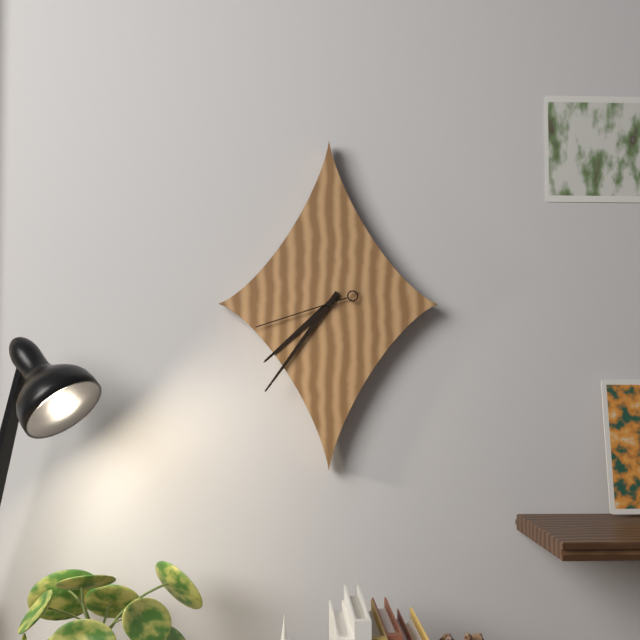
7:36:42
